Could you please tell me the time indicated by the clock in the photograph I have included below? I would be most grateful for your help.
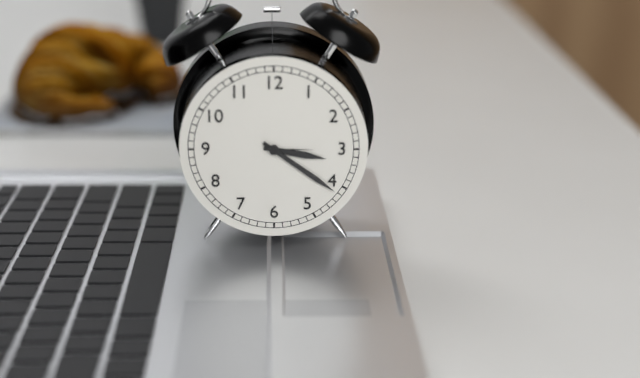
3:21
